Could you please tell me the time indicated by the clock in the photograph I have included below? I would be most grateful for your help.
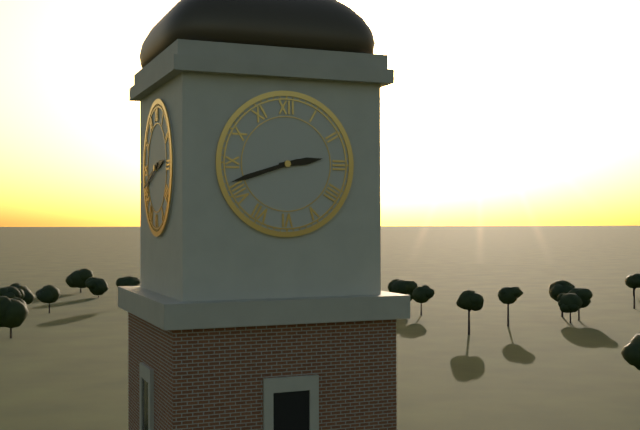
2:42
